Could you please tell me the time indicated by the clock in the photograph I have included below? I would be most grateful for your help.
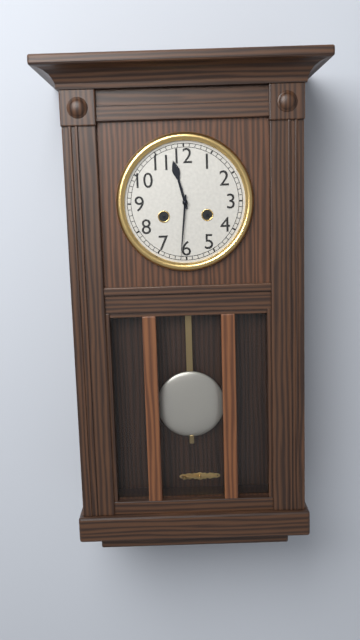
11:31
